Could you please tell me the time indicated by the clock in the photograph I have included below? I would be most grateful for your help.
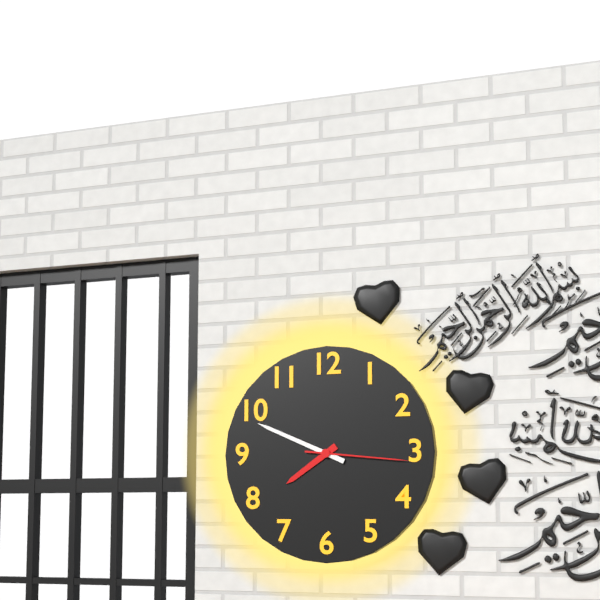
7:49:16
